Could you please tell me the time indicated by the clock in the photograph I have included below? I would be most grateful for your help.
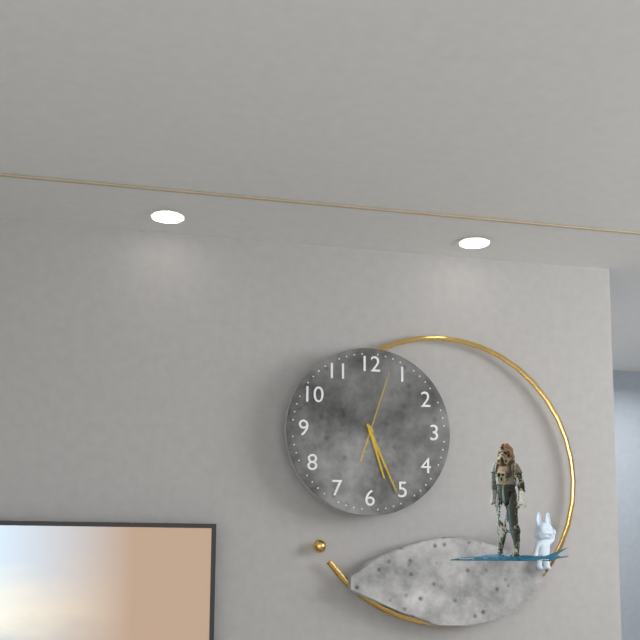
5:26:03
